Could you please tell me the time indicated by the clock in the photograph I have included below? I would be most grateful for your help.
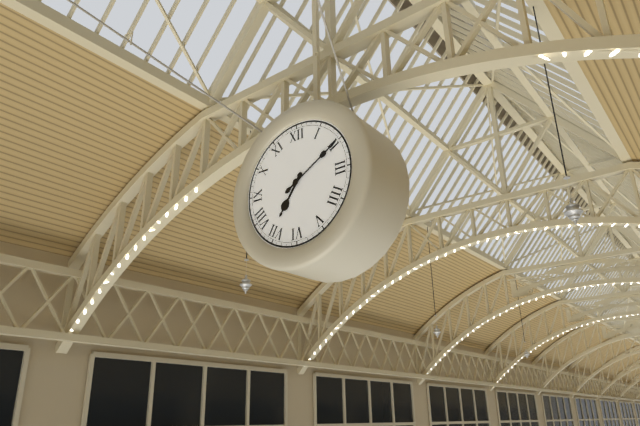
7:10
